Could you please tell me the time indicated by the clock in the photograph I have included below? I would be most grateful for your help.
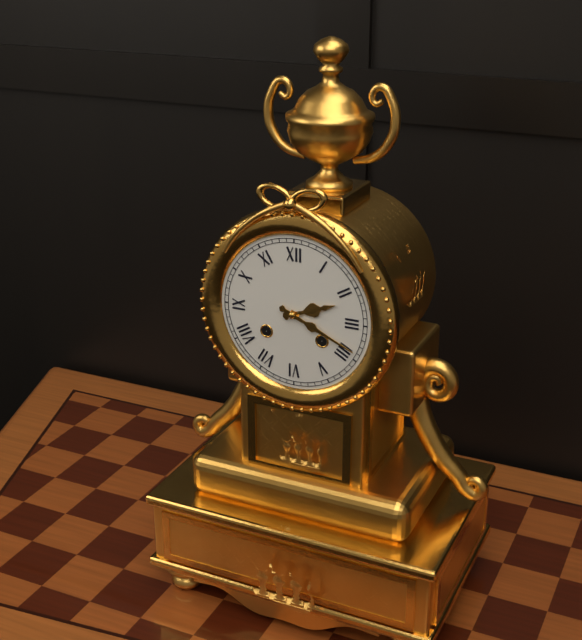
2:19
